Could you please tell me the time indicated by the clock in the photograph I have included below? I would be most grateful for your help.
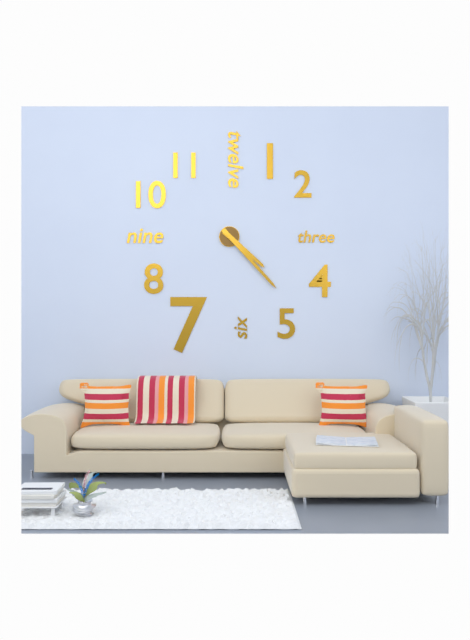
4:23
